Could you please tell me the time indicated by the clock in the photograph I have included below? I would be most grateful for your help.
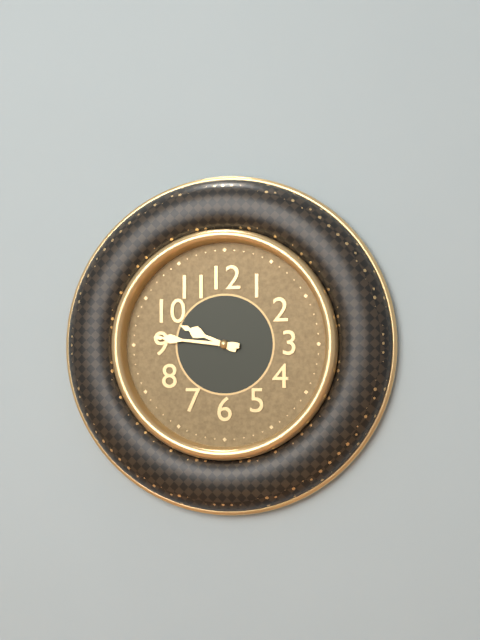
9:46
